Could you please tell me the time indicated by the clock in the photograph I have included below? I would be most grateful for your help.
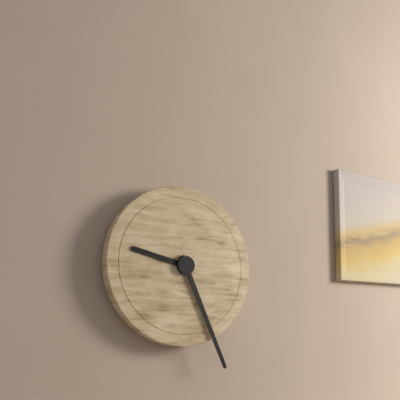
9:26
